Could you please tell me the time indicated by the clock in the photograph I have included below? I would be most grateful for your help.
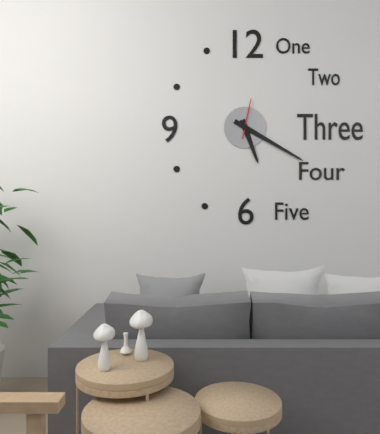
5:20
